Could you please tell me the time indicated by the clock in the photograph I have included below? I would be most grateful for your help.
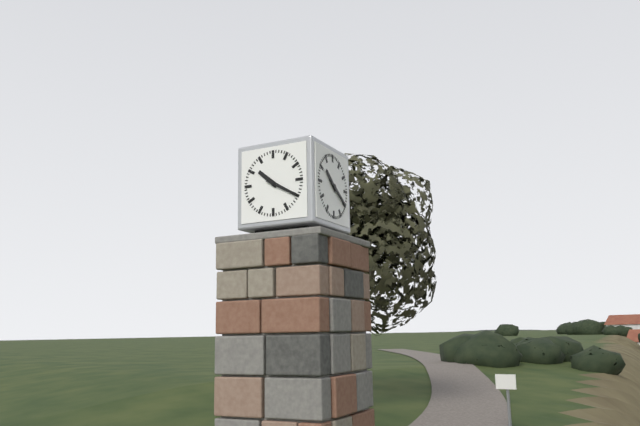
10:20
